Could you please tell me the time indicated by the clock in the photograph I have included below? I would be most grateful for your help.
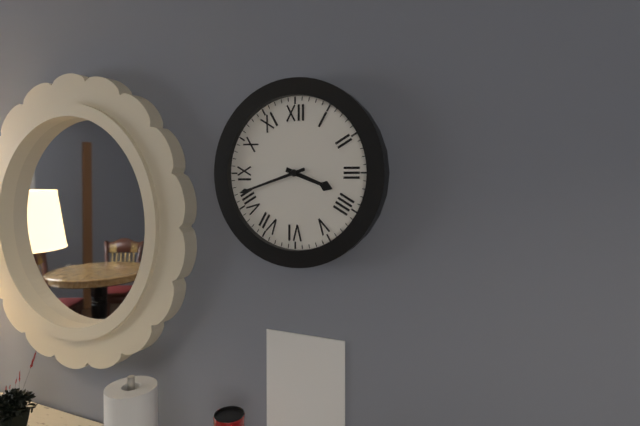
3:42
